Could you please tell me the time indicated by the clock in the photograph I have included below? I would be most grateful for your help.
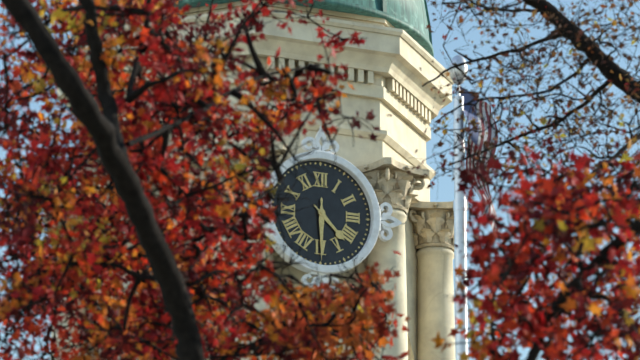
4:30
